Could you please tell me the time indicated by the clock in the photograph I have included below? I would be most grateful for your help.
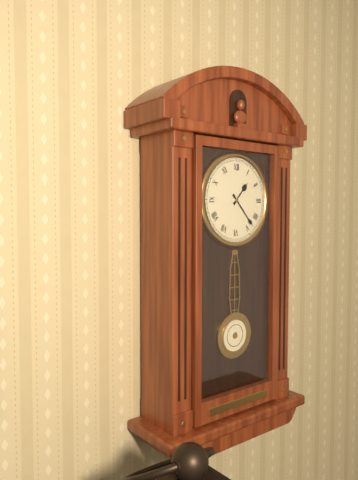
1:23
